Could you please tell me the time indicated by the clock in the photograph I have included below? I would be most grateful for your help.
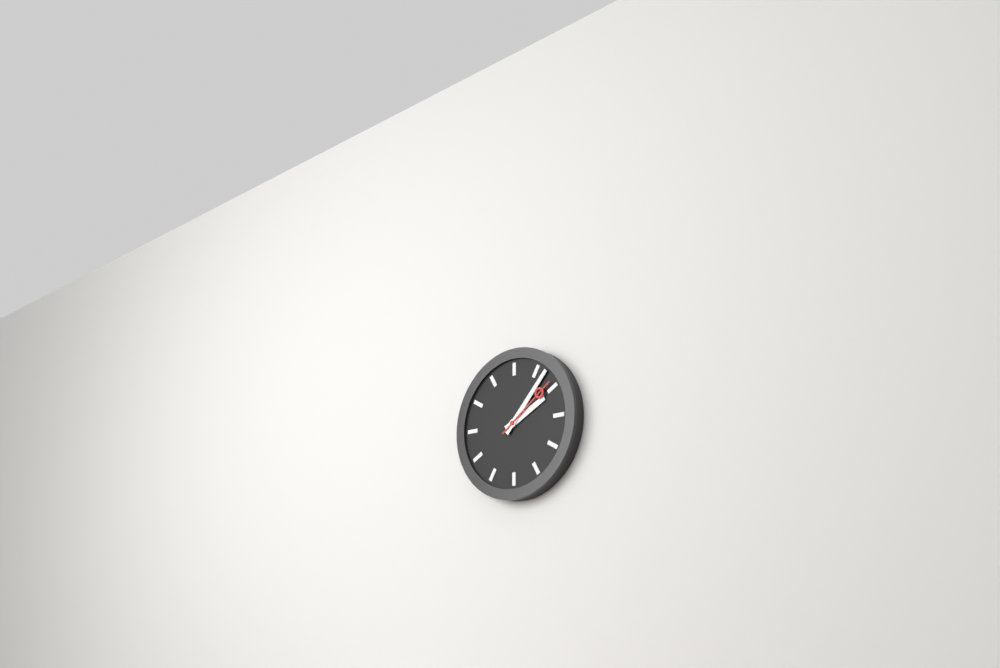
2:07:09
